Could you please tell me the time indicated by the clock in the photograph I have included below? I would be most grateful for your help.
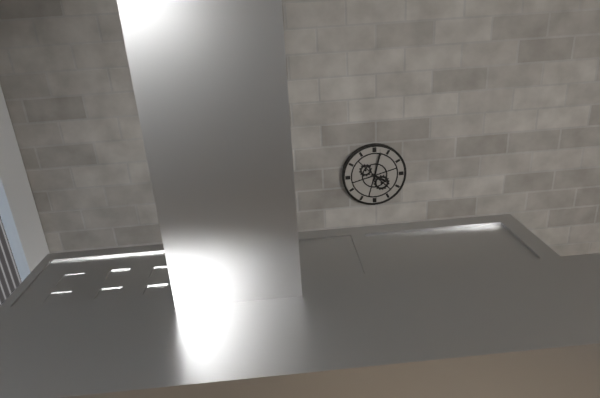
4:02
